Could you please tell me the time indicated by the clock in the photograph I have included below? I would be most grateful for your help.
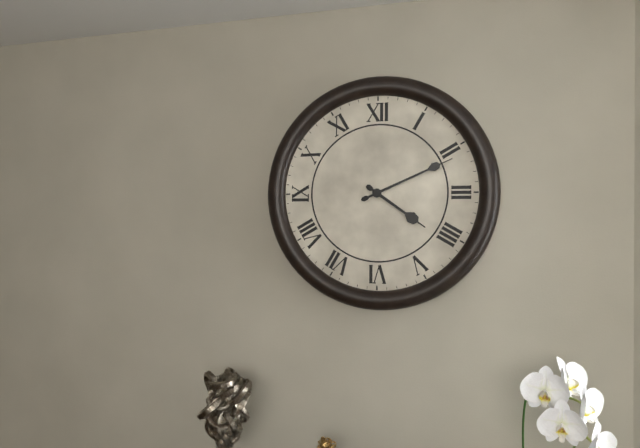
4:11
